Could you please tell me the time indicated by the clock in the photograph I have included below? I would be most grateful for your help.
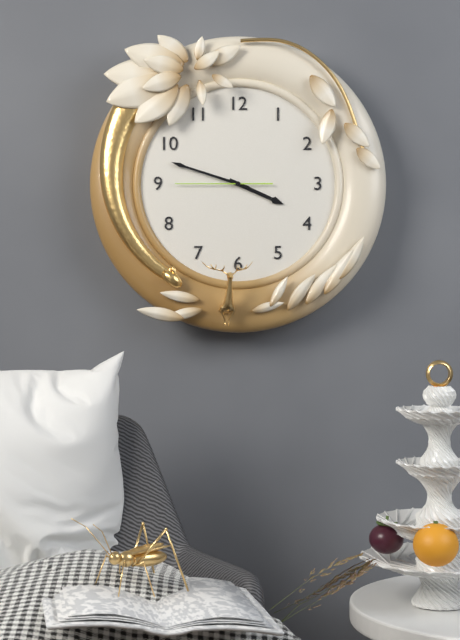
3:48:45
